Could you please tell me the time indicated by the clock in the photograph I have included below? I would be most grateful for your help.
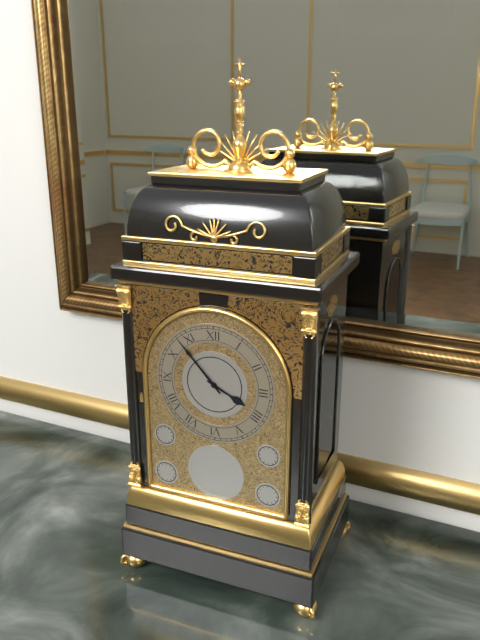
3:53
